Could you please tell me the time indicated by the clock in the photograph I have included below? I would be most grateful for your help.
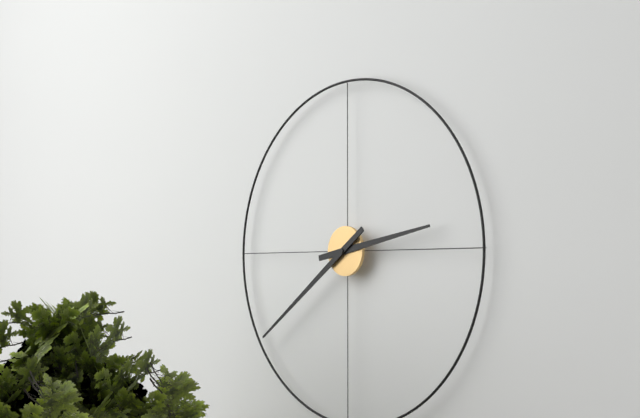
2:39
